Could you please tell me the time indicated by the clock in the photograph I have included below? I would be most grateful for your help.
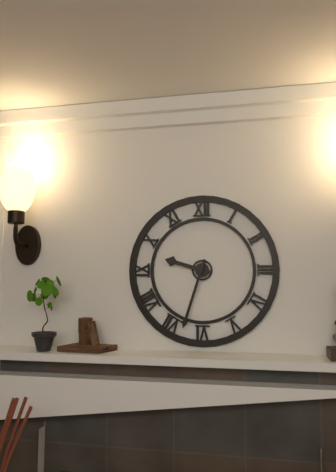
9:33
